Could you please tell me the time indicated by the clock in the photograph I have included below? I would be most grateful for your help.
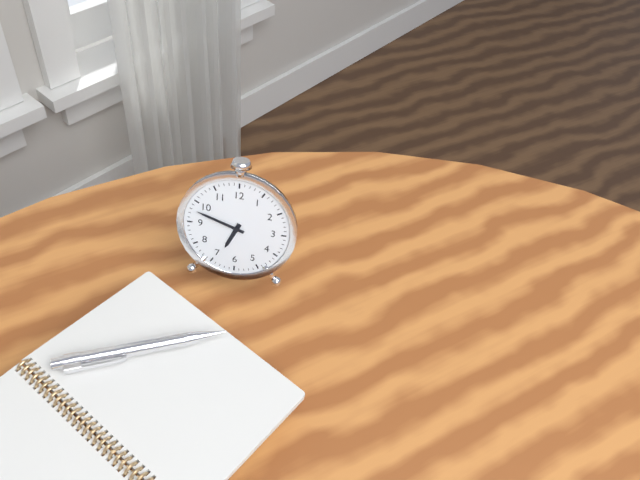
6:48
